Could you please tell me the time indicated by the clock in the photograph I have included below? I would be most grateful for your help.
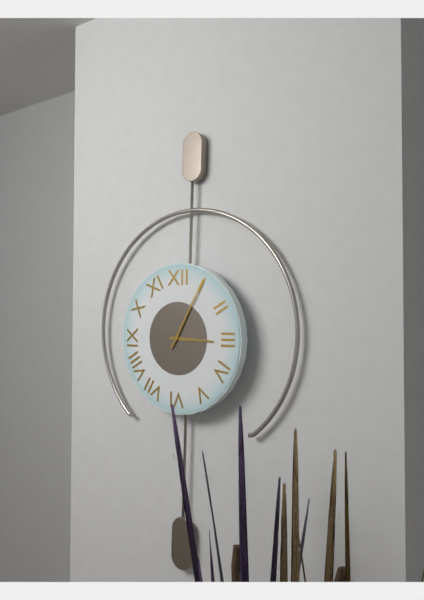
3:05
